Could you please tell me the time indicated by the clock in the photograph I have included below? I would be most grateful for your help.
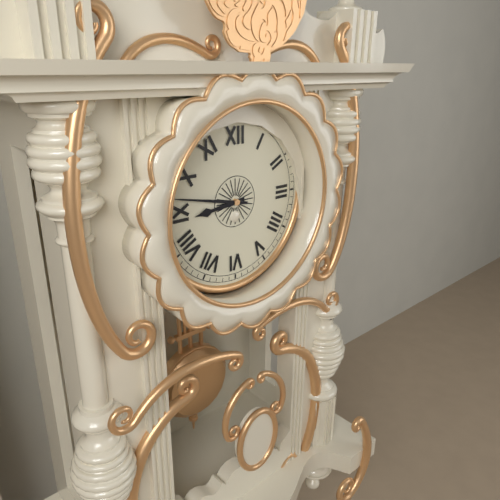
8:47
